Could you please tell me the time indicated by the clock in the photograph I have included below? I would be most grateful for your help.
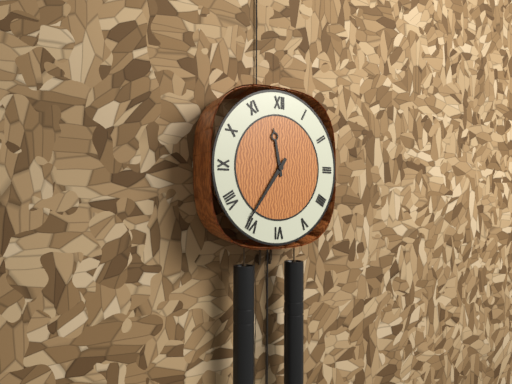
11:36
